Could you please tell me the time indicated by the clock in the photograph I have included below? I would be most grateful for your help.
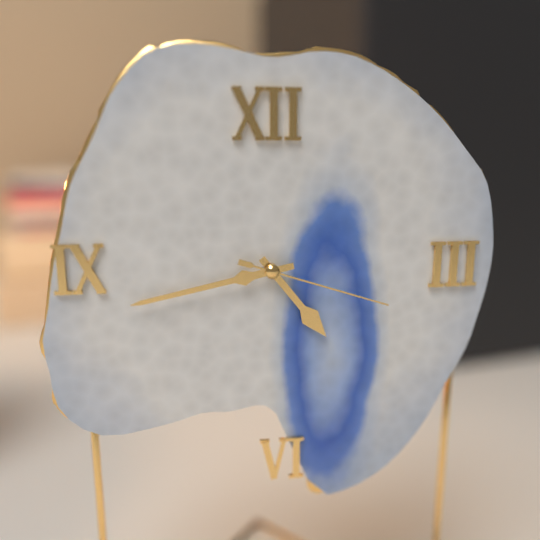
4:43:18
